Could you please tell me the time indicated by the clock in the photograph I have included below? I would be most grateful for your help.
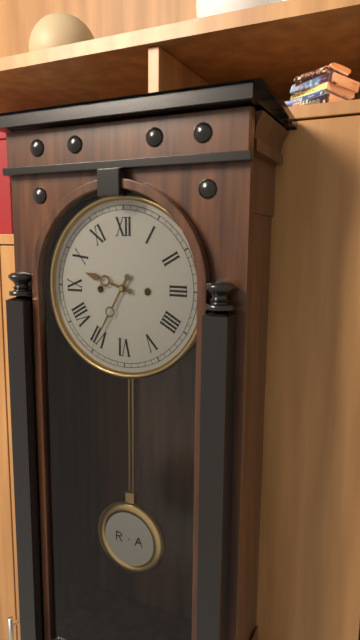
9:35
